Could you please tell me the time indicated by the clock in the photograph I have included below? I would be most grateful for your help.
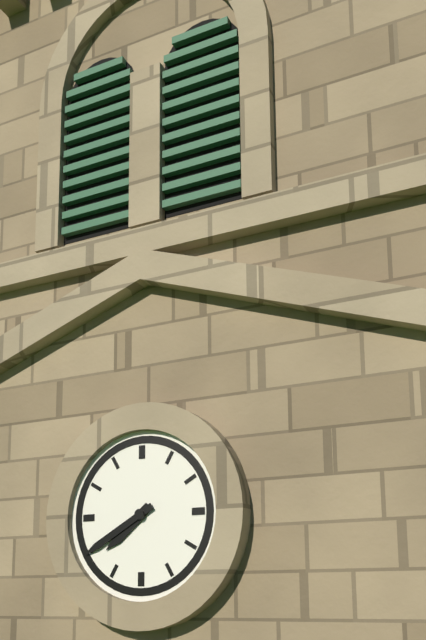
7:40
